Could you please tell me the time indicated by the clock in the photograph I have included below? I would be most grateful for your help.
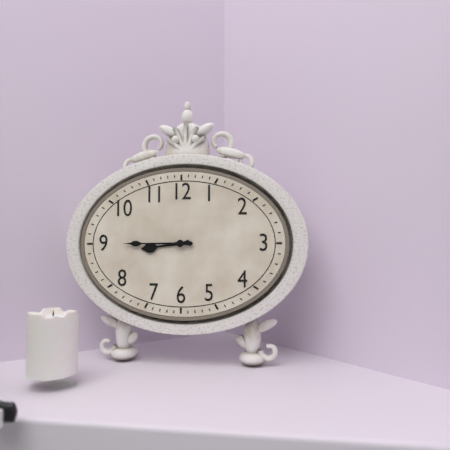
8:45
